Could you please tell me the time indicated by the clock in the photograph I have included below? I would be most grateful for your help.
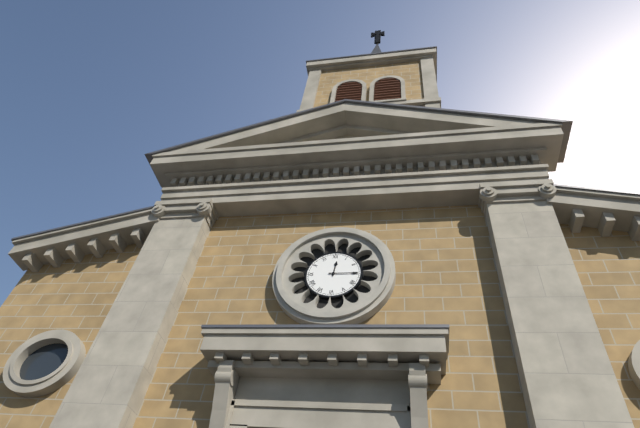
12:15
